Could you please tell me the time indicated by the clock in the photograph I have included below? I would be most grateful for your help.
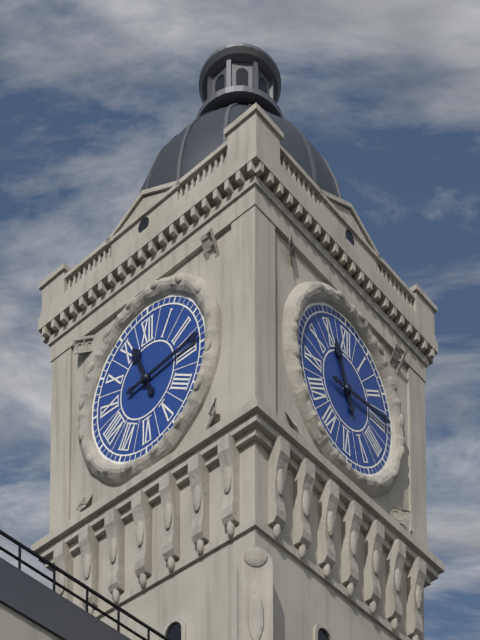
11:14
